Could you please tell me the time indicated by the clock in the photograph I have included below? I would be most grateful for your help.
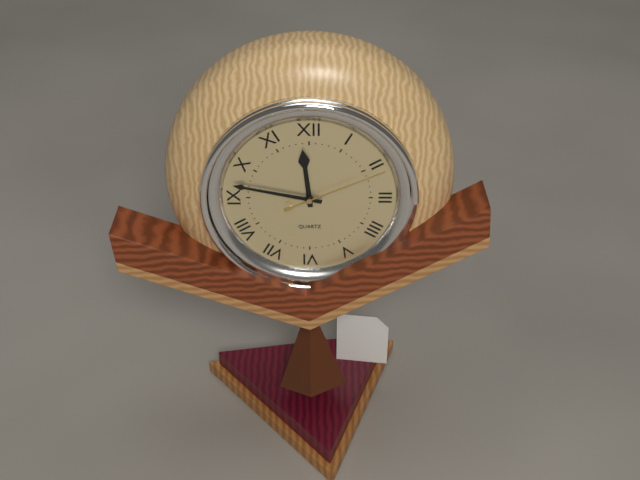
11:47:11
